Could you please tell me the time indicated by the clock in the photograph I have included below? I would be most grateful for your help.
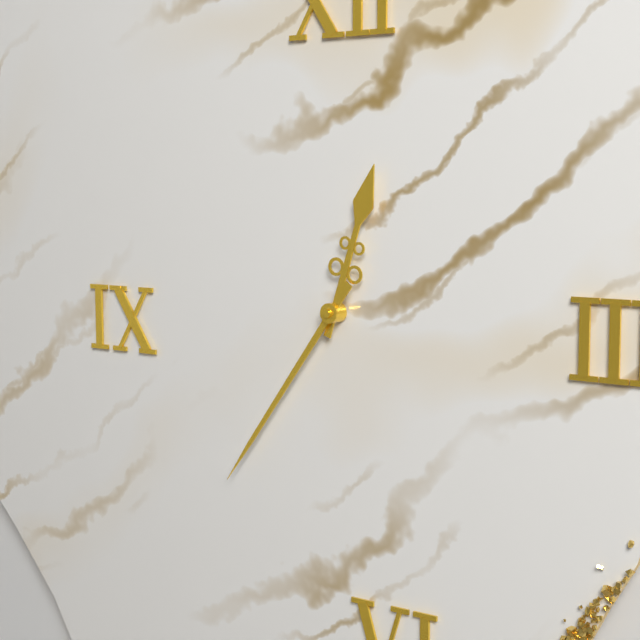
12:36
